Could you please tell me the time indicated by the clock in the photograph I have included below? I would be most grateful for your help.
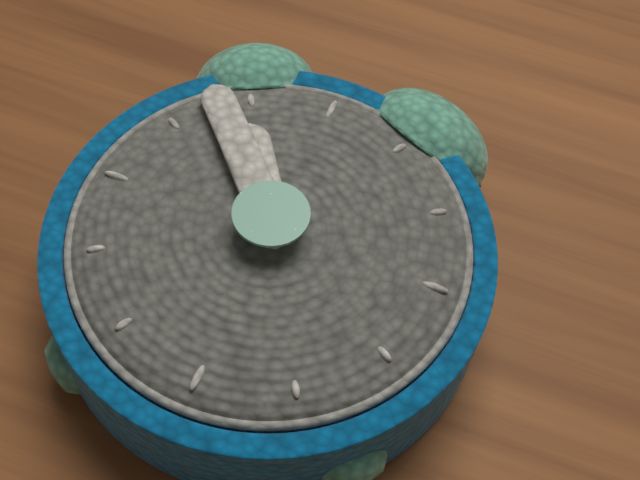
10:53
